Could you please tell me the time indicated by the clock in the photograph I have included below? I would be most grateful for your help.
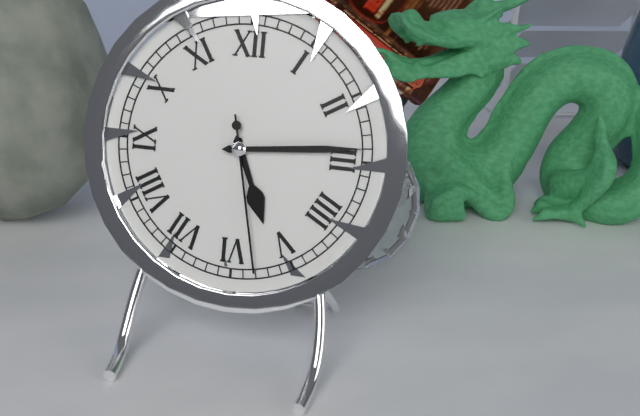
5:14:28
